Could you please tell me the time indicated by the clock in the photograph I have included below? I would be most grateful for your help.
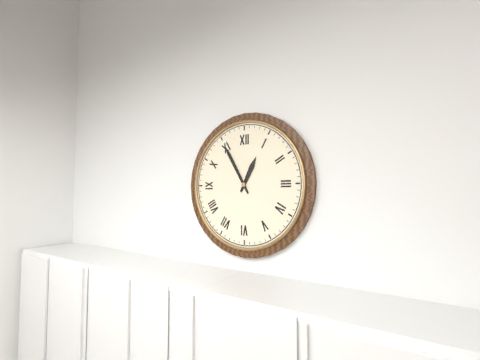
12:55
